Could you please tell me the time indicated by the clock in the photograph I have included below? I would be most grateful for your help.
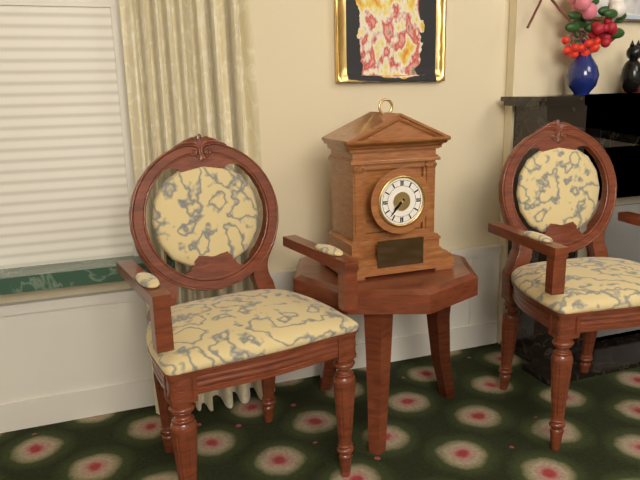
7:37
